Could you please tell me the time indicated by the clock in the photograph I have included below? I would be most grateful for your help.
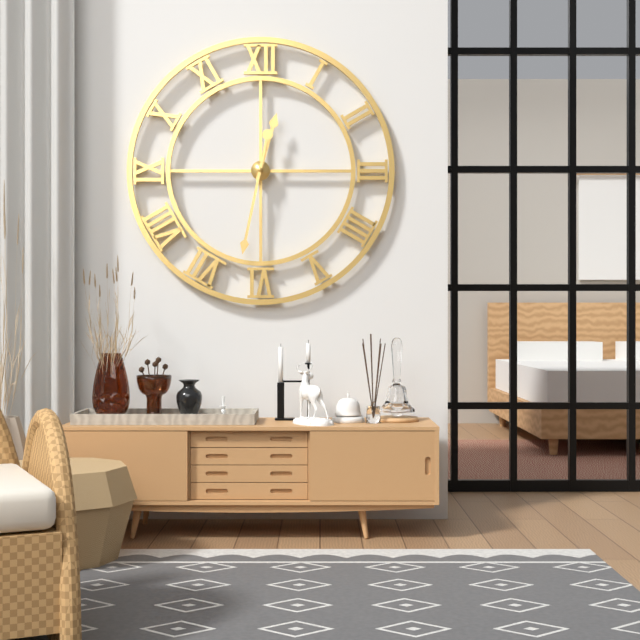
12:32
